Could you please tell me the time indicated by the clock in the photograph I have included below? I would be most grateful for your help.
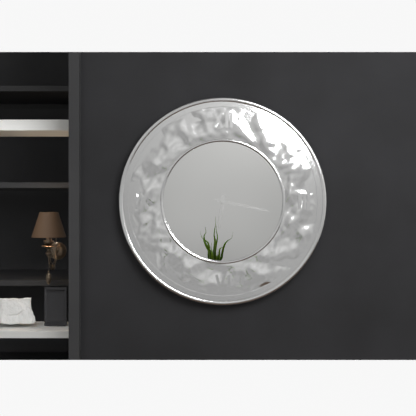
6:17
